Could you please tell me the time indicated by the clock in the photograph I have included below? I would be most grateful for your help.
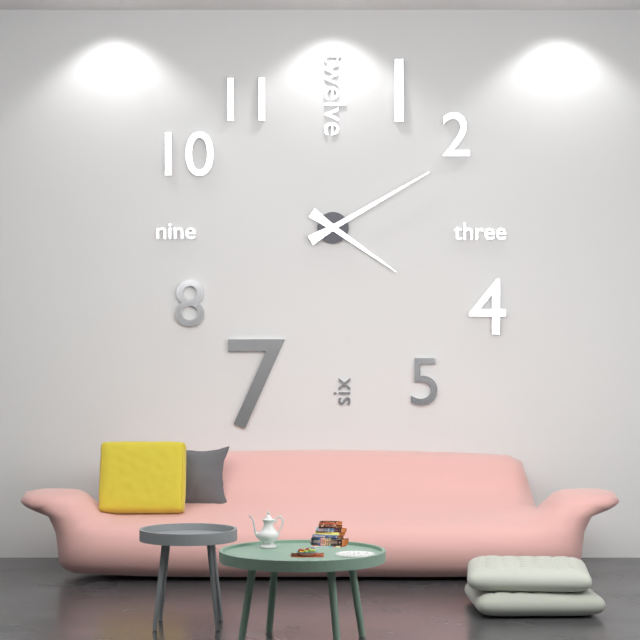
4:10
